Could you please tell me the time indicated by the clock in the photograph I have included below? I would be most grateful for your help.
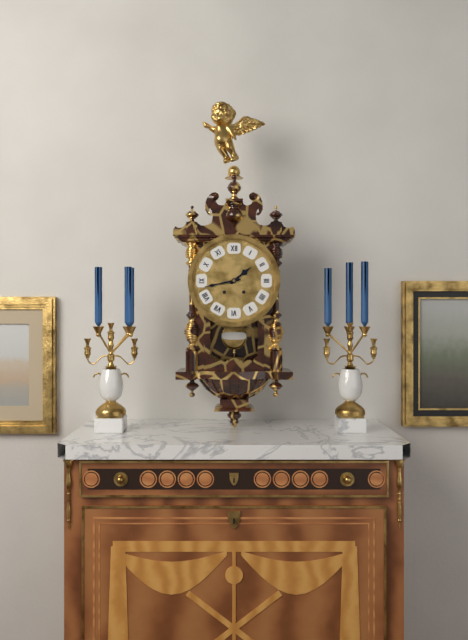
1:43
